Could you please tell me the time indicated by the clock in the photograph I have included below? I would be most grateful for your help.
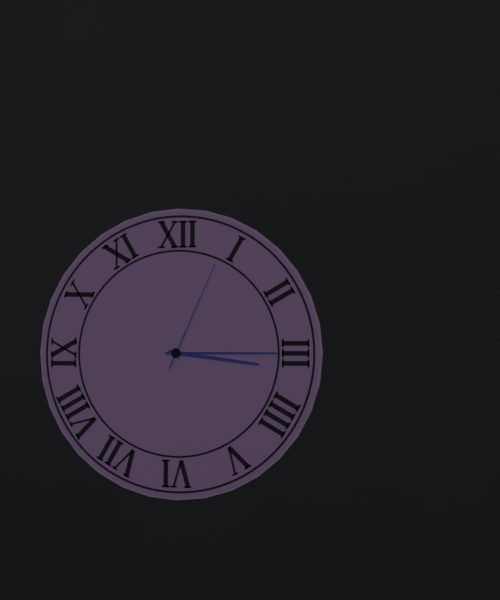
3:15:04
